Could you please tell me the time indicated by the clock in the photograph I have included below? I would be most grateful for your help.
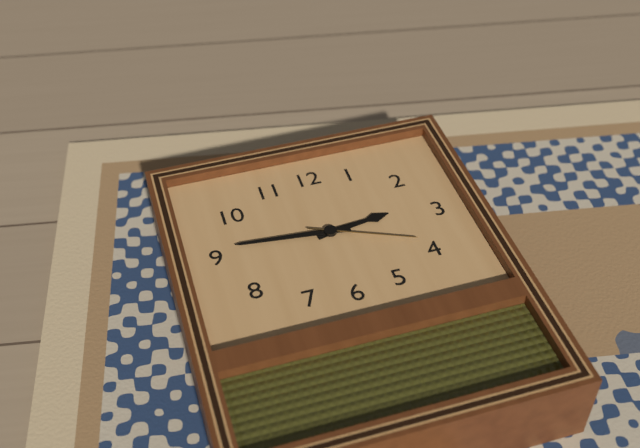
2:46:19
